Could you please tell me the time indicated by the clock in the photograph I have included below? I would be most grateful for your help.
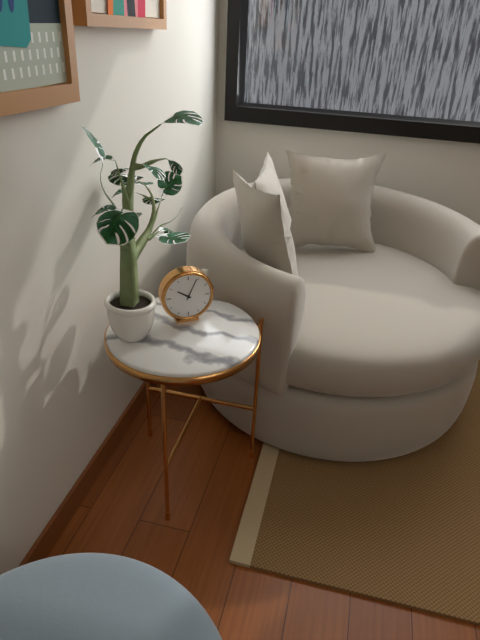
10:04
